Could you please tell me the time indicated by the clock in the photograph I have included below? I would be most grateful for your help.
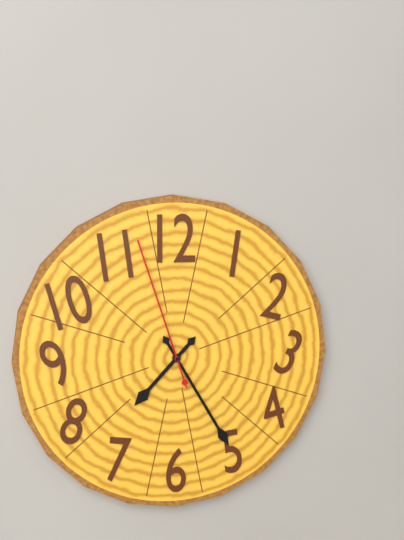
7:25:57
